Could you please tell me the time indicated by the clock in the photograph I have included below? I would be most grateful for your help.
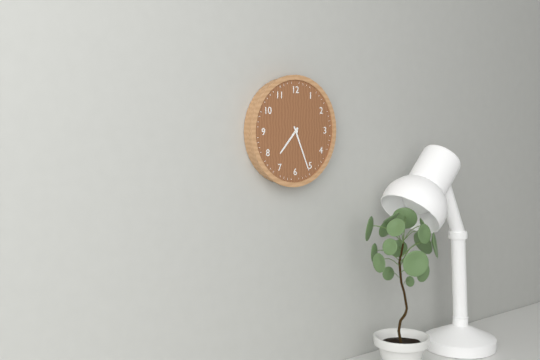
7:26
